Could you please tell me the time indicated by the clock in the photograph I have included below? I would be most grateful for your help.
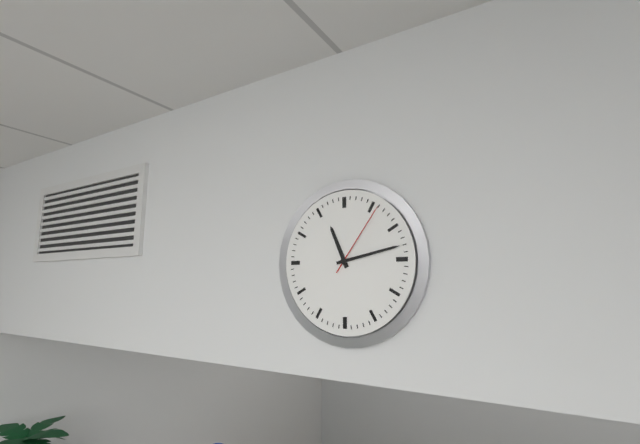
11:13:06
